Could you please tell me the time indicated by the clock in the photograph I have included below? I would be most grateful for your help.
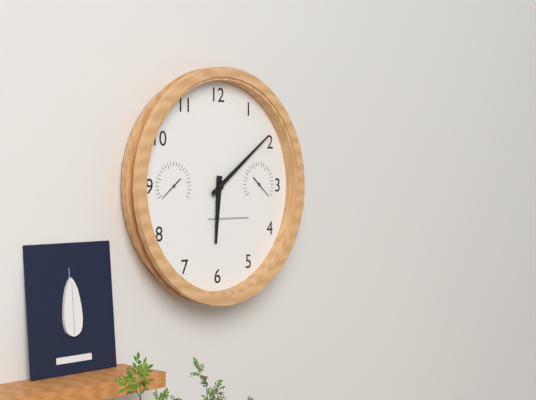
6:09
